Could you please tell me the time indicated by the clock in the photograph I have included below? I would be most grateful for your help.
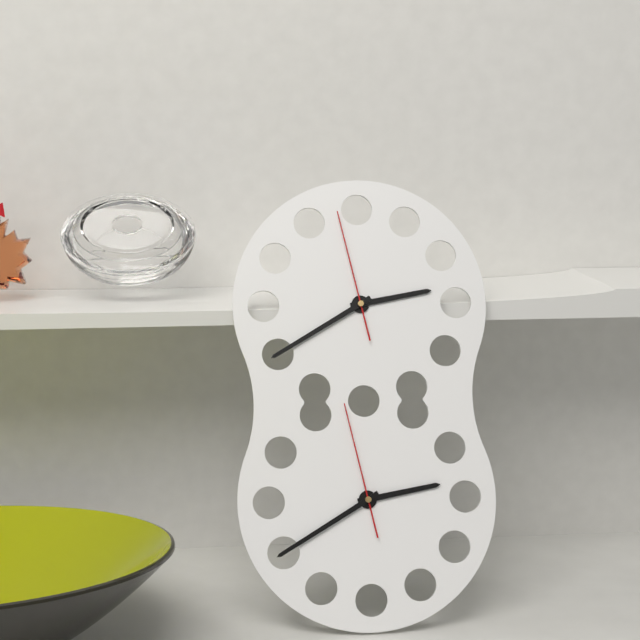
2:40:58
